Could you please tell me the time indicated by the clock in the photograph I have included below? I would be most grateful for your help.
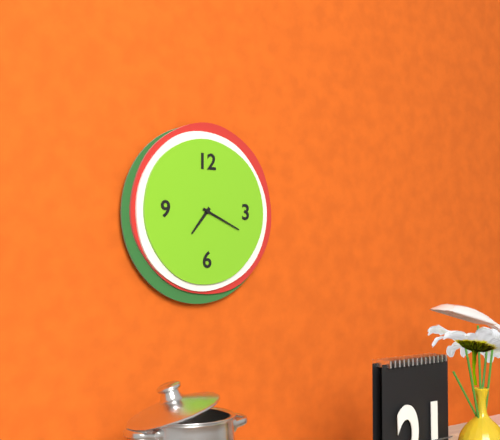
7:19
